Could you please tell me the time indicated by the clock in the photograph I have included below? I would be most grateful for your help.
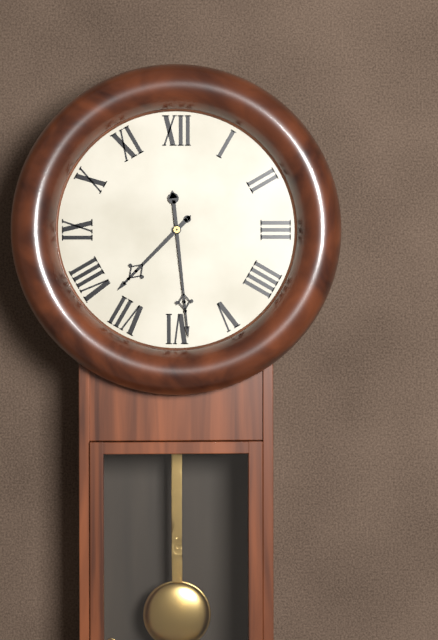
7:29
